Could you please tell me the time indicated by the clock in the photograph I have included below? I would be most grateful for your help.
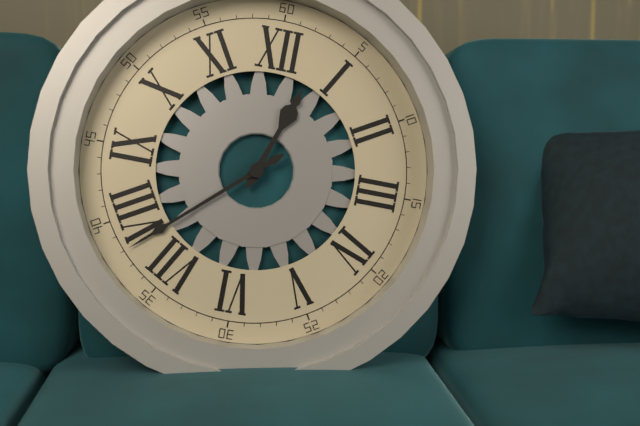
12:38
